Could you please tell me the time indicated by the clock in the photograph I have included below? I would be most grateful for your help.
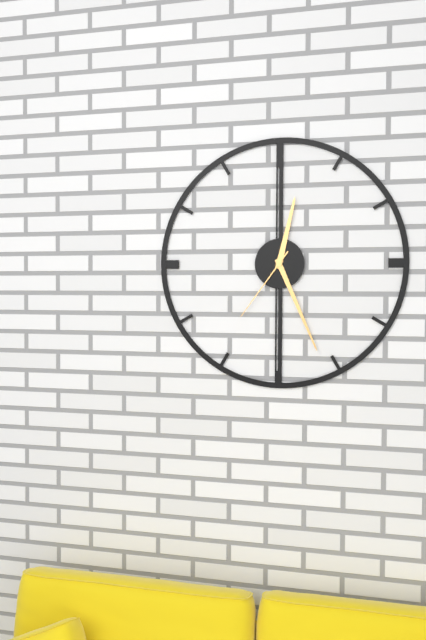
12:26:36
